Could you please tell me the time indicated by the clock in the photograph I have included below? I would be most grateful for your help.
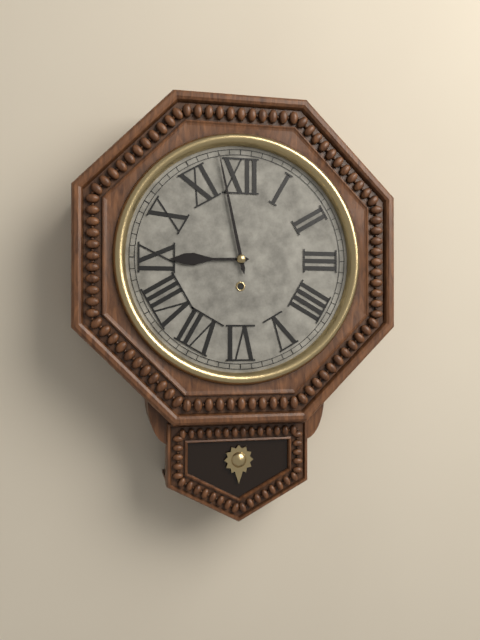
8:58
